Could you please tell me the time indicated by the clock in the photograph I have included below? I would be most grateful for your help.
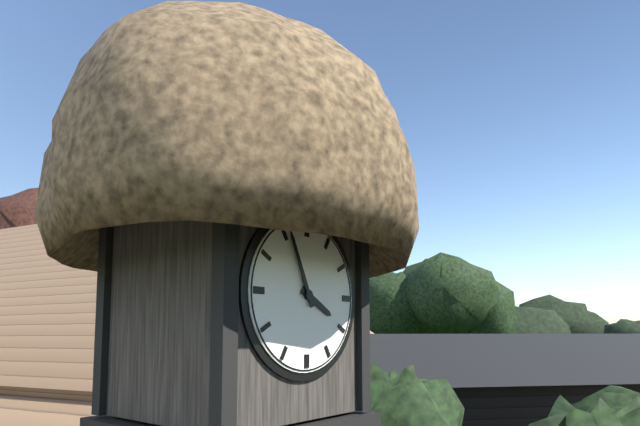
3:56
